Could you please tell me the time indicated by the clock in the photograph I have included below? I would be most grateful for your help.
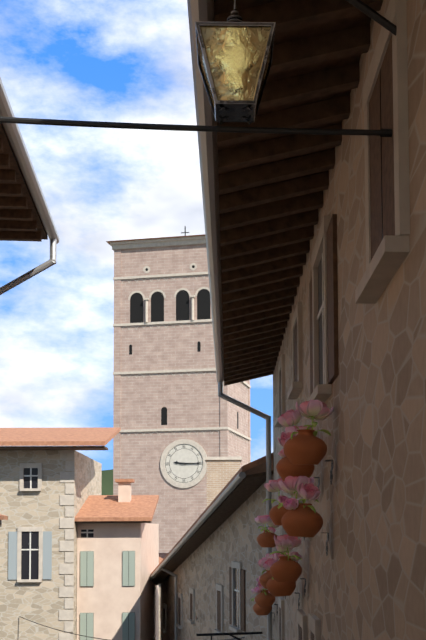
9:15
